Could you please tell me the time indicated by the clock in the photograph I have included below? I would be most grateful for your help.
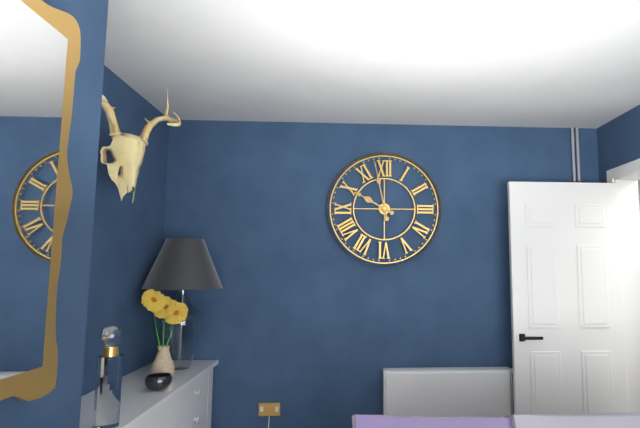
9:58
